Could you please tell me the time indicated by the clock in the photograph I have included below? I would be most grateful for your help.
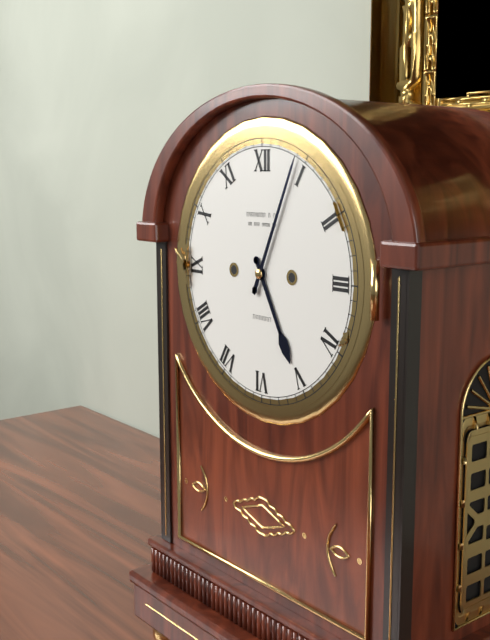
5:04
